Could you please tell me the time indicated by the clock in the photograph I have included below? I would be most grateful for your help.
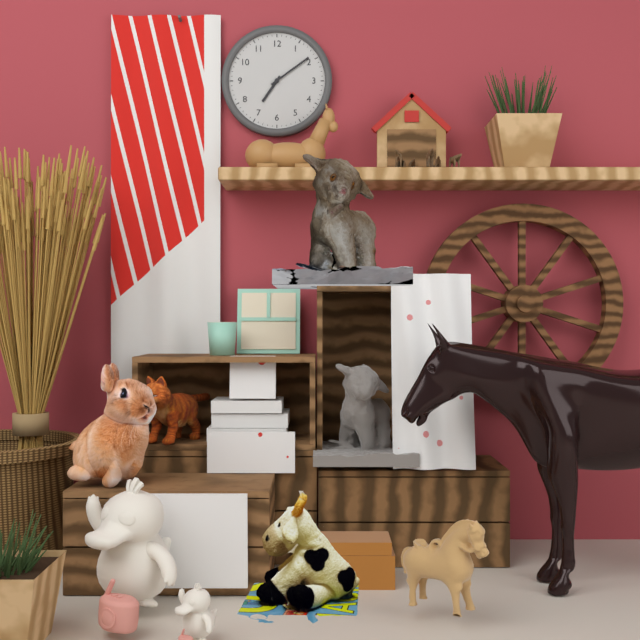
7:09
